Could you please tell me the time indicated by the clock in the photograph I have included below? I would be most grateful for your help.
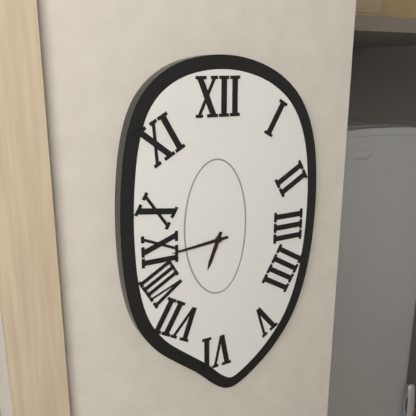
6:44
